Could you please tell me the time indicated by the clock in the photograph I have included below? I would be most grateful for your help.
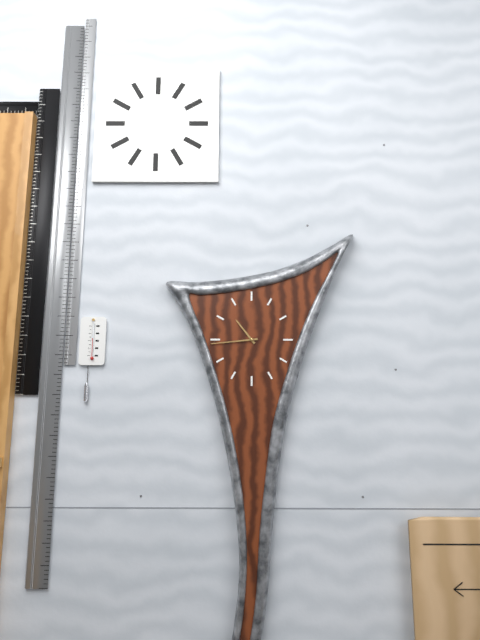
10:44
